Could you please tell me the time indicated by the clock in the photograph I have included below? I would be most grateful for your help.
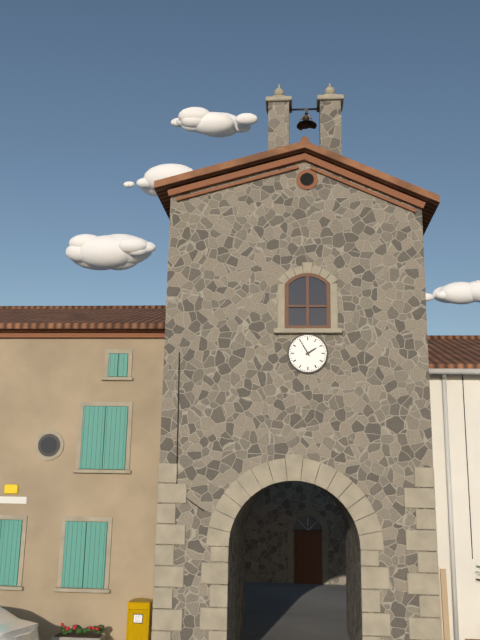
1:55
